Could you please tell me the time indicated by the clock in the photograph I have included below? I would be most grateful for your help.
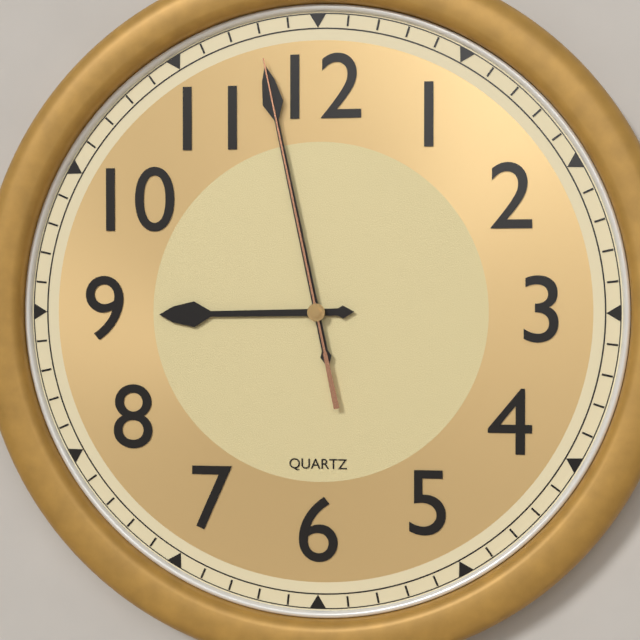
8:58:58
